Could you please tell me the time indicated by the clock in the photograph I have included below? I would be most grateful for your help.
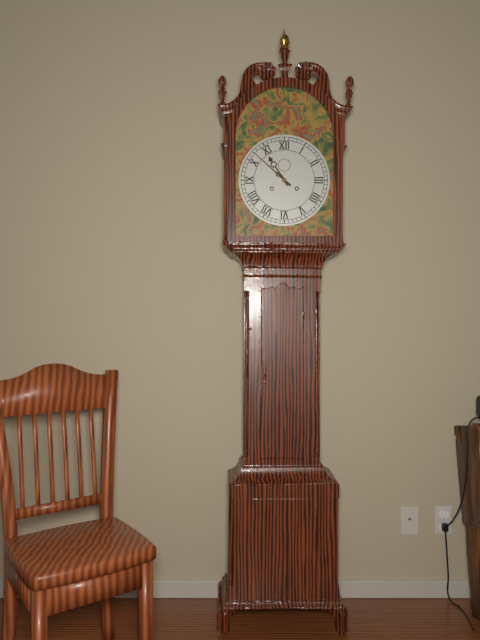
10:52
